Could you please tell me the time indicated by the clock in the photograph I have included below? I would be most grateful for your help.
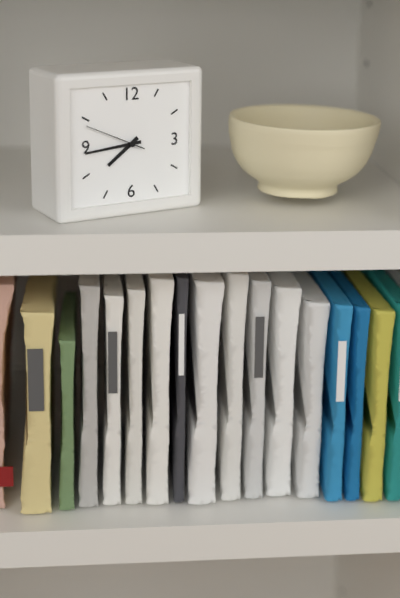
7:44:49
